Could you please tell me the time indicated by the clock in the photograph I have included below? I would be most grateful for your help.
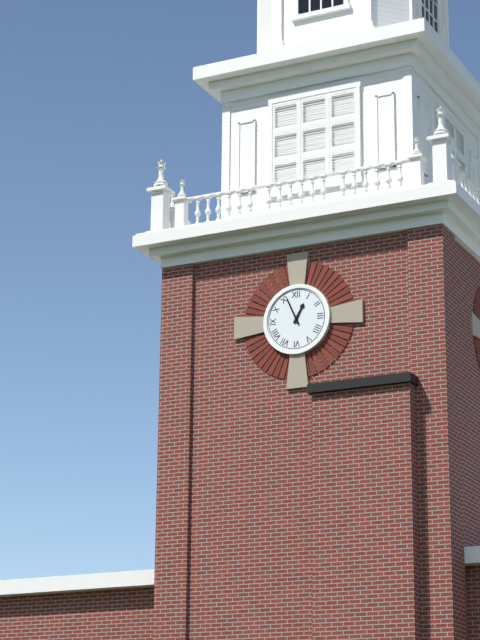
12:56
